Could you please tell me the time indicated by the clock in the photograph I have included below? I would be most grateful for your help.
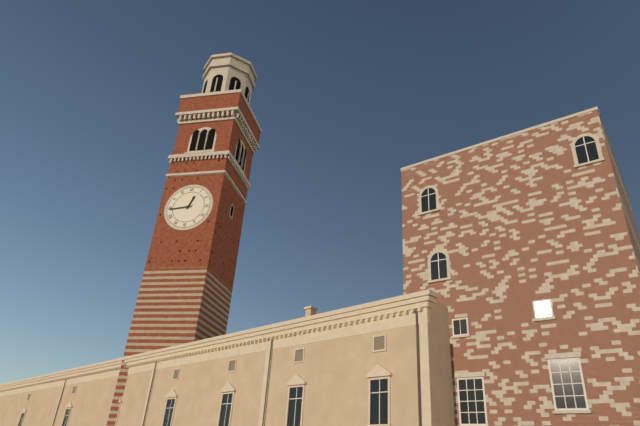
12:44
